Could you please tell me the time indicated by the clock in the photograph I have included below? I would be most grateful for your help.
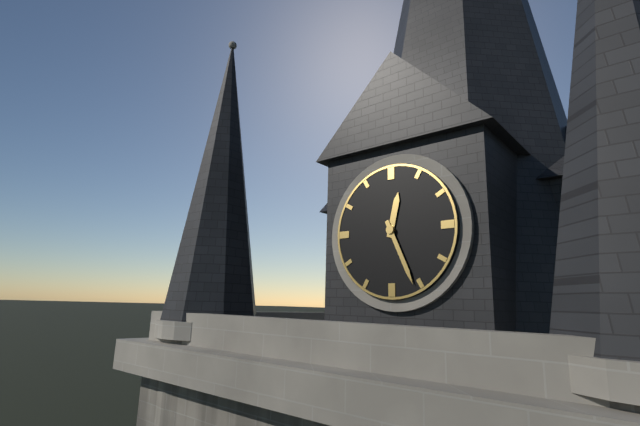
12:26
